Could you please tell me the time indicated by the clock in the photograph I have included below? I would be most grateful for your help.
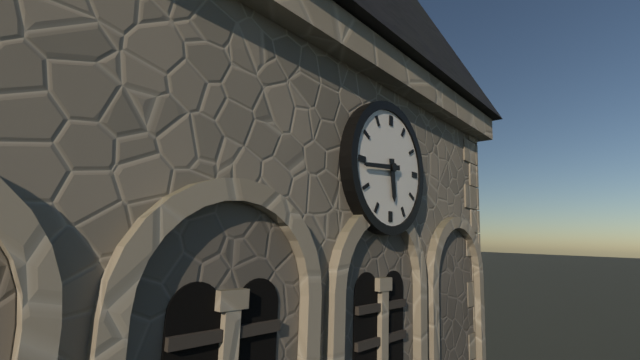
5:44
